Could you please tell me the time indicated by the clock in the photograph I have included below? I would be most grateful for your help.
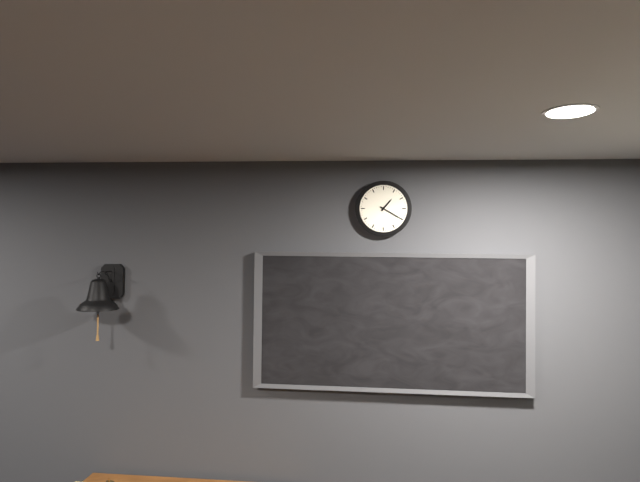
1:20
